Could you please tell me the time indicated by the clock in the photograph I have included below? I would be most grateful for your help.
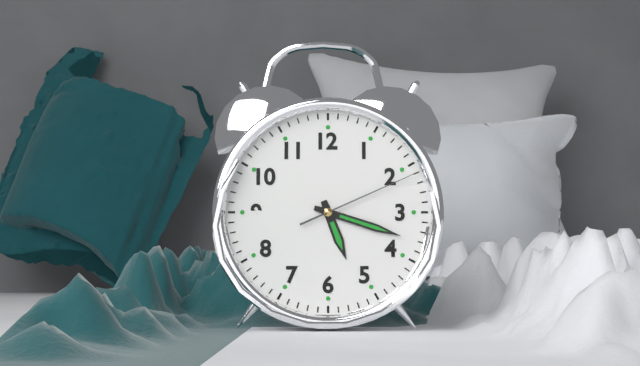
5:18:11
